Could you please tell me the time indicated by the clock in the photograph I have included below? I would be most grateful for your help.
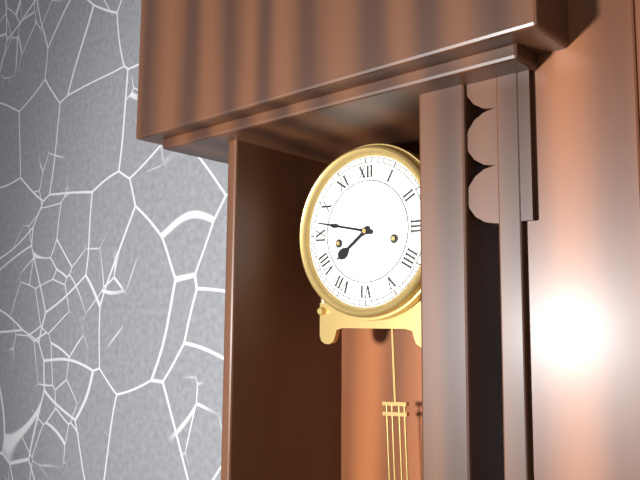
7:47
